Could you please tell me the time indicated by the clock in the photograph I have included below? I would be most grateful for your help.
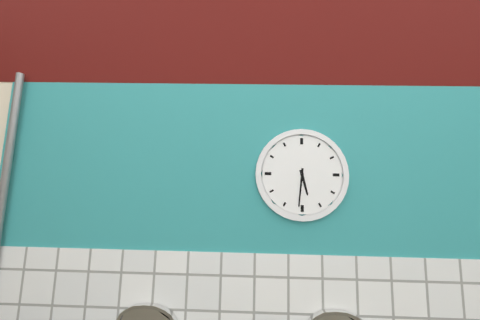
5:31
